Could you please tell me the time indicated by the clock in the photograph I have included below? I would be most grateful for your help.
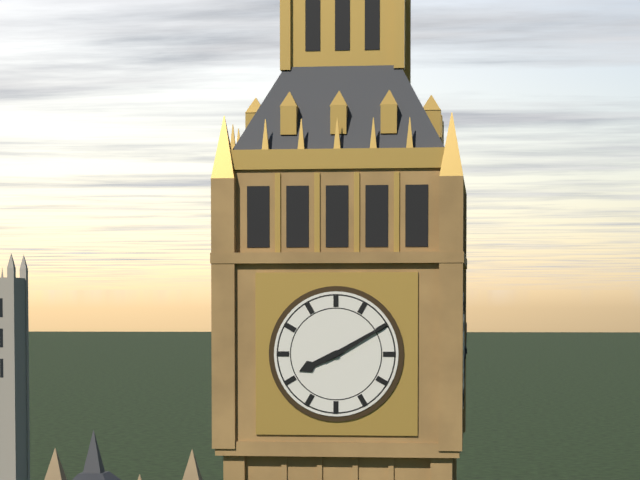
8:10
